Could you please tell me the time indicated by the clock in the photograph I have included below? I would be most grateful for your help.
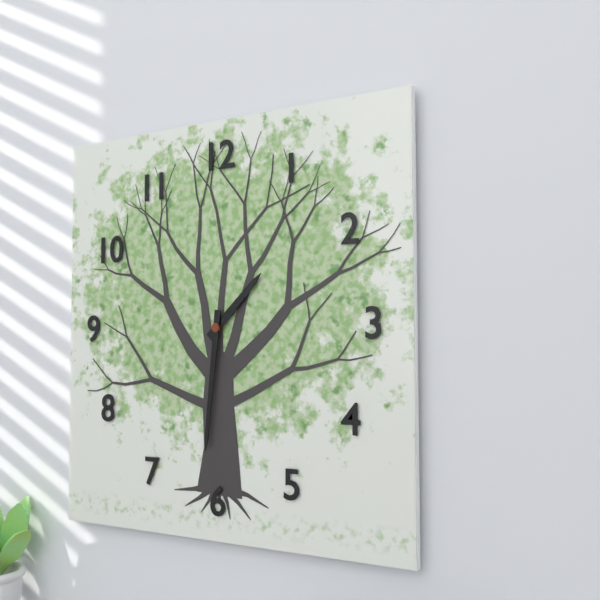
1:31
